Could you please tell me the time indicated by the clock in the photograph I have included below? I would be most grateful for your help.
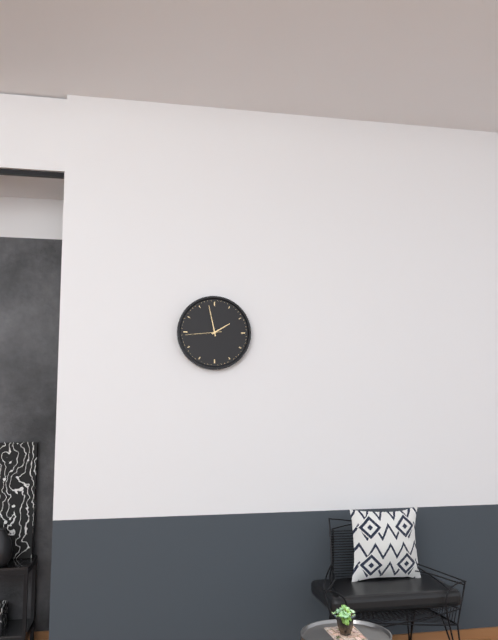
1:58
